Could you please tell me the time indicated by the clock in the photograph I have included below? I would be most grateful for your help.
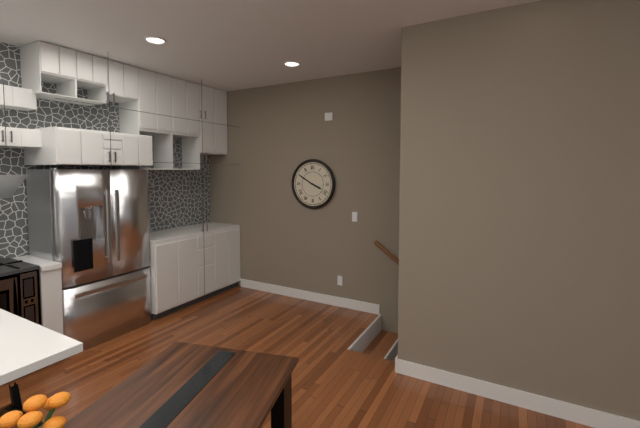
3:50
